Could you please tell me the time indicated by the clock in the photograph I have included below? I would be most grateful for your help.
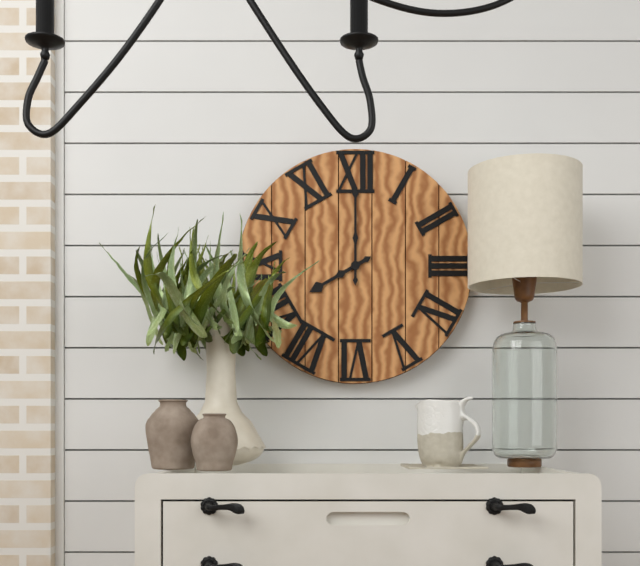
8:00
